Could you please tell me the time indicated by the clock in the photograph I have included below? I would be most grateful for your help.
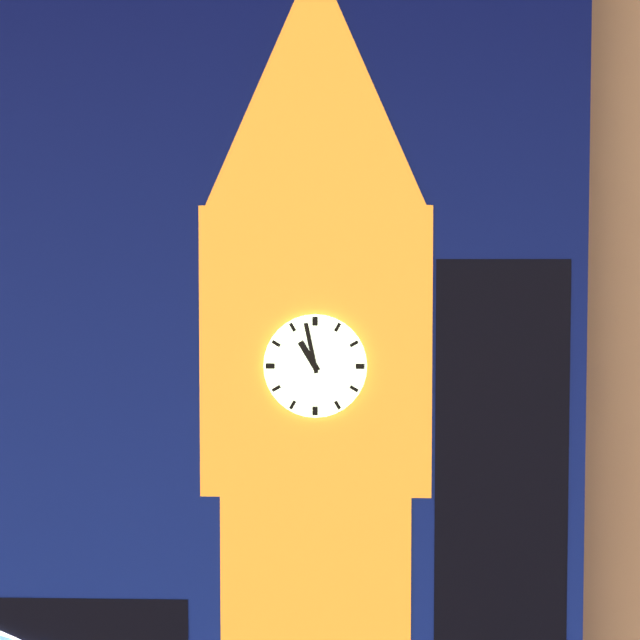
10:58
